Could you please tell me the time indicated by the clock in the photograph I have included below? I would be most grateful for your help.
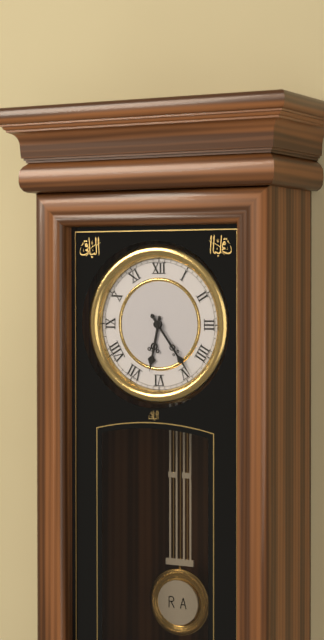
6:24
